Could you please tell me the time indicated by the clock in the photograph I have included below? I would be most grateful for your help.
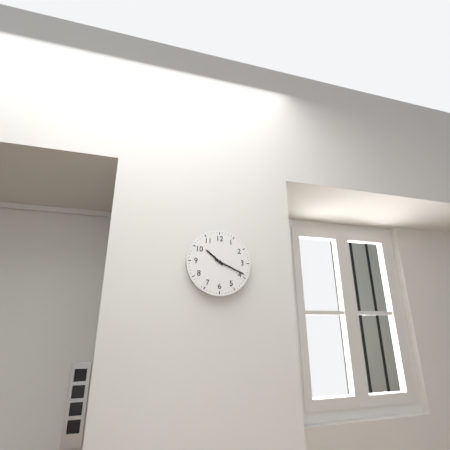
10:19
